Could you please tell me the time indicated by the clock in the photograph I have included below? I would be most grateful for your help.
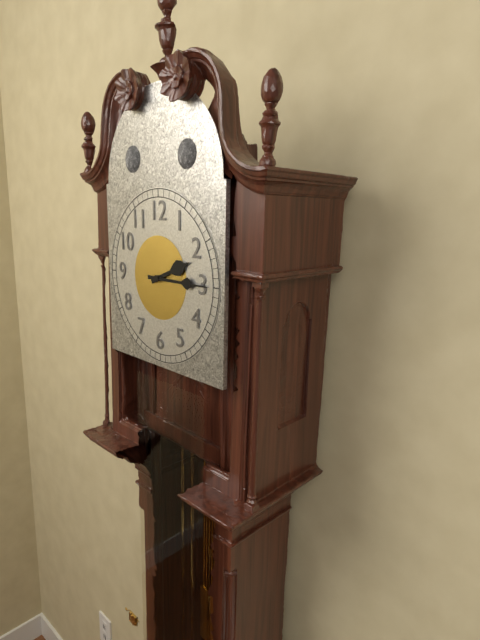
2:15
